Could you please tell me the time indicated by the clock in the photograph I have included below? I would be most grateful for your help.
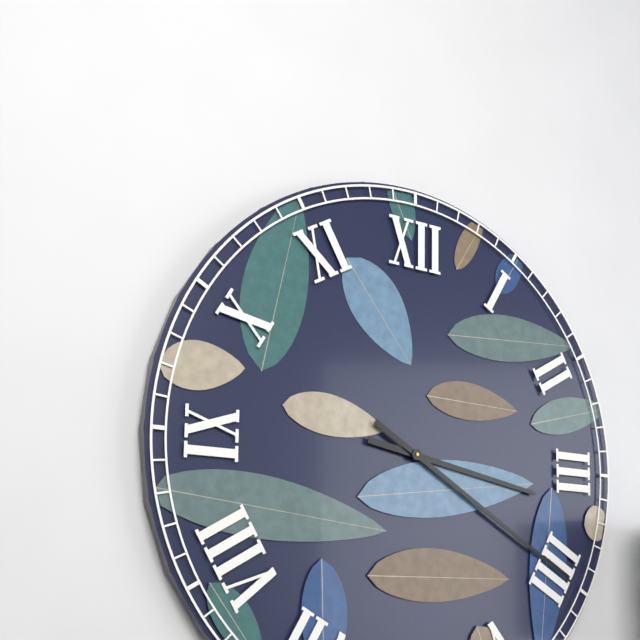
3:20
